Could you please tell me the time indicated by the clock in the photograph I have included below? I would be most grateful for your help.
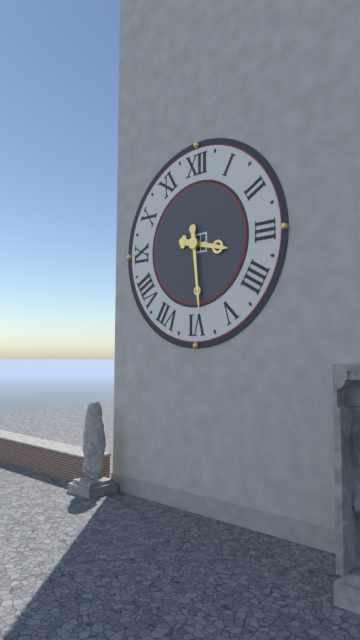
3:29
